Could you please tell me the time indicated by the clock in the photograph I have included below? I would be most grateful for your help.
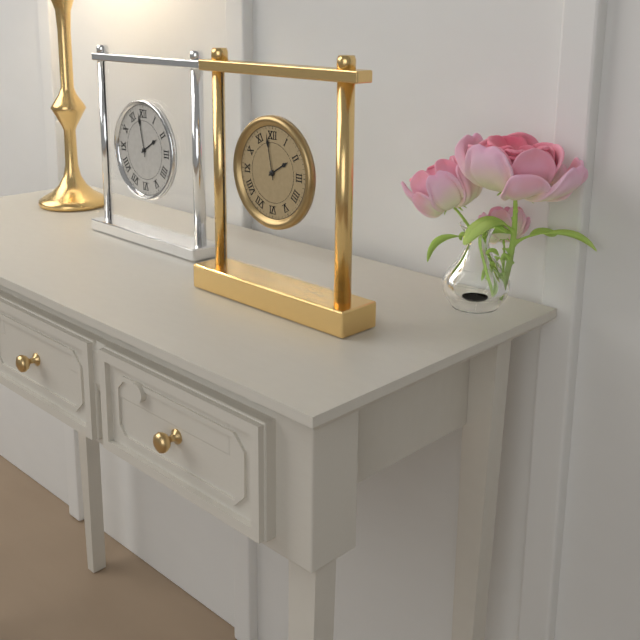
1:58
